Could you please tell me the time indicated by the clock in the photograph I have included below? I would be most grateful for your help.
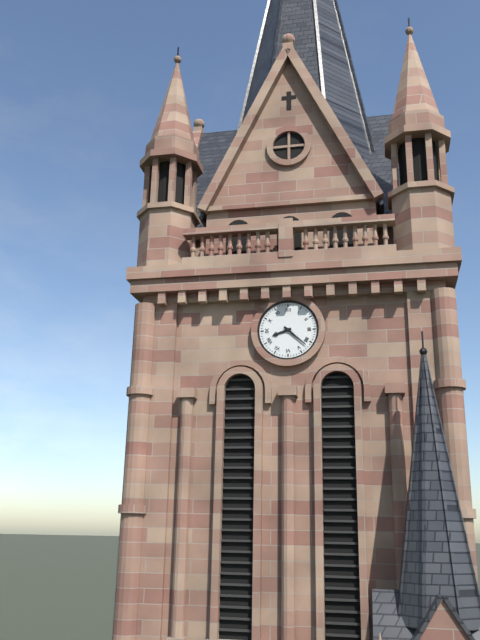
8:22
